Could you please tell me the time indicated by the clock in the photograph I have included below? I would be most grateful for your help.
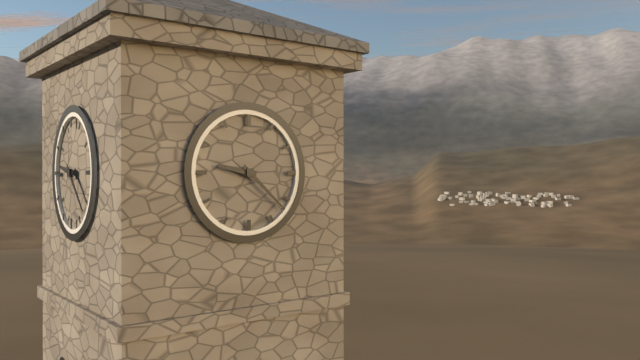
9:22
